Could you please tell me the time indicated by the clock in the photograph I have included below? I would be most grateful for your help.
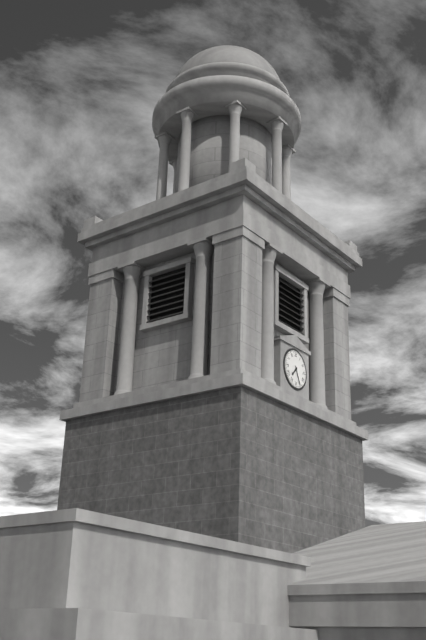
7:26
